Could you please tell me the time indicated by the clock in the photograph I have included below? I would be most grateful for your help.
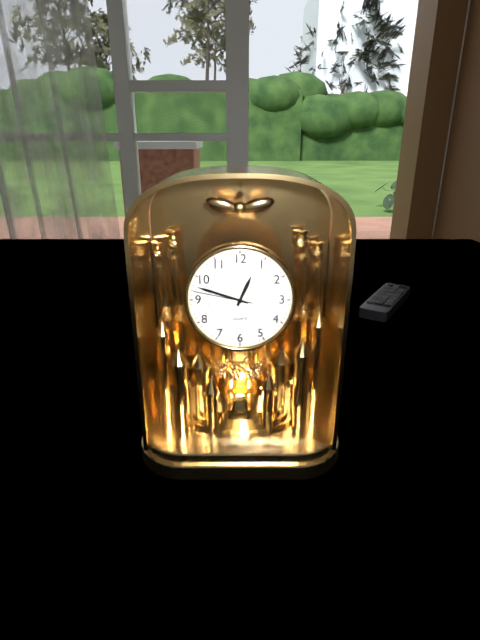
12:48:47
